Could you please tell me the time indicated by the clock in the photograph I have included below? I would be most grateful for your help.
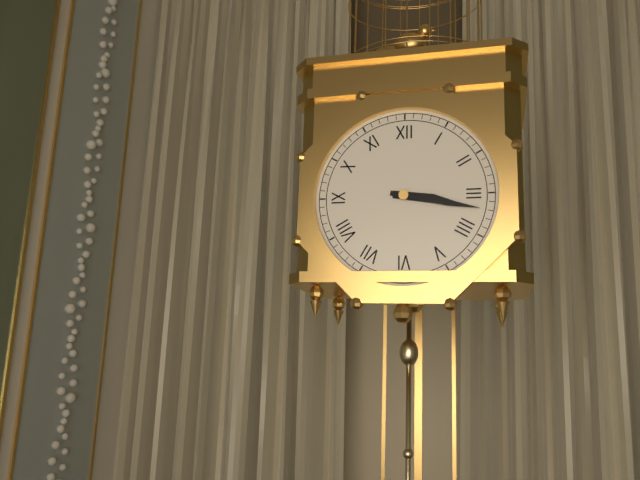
3:17
